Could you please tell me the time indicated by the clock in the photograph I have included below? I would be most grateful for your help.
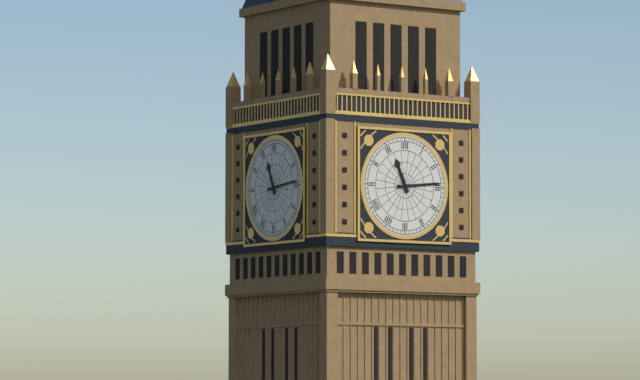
11:14
